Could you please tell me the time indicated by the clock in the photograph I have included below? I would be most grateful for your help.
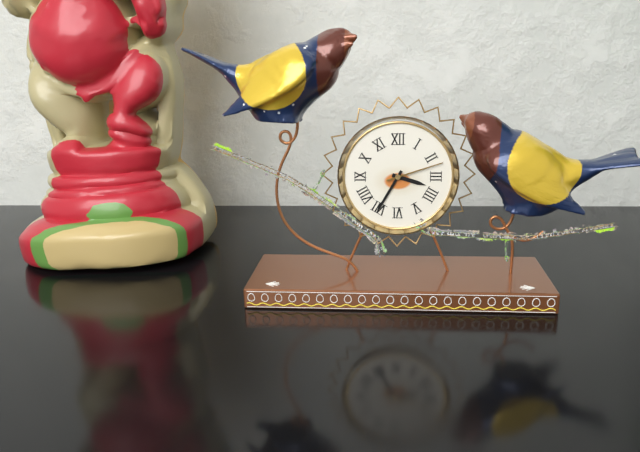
3:35:12
